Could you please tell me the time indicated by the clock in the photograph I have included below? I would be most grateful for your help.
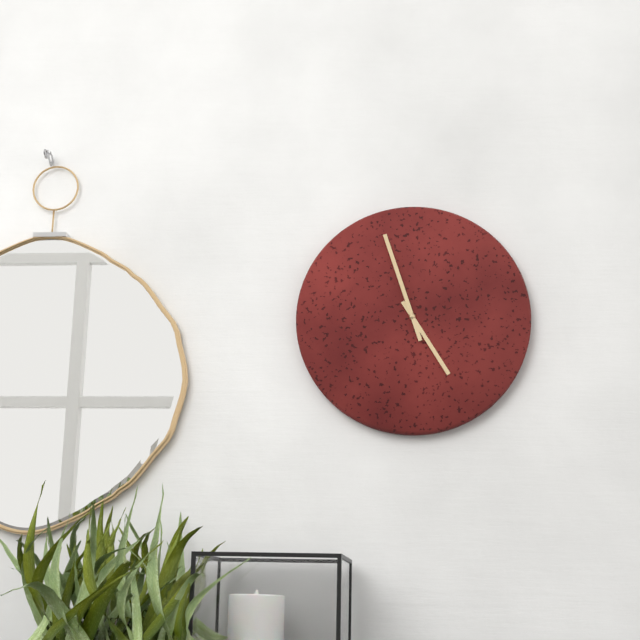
4:57
